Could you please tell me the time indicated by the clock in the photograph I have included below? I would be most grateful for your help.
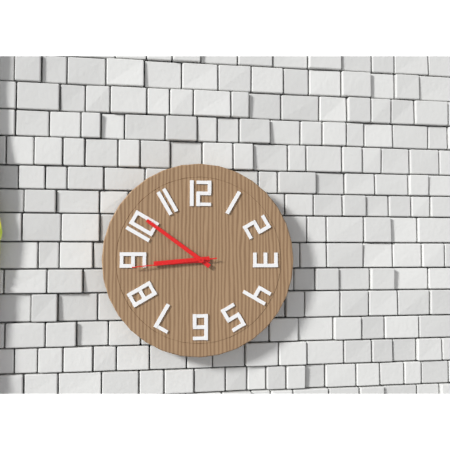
8:51:44
